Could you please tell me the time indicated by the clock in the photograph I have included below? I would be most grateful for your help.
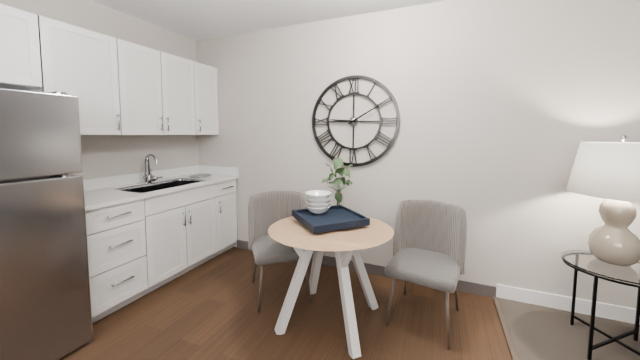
9:10
